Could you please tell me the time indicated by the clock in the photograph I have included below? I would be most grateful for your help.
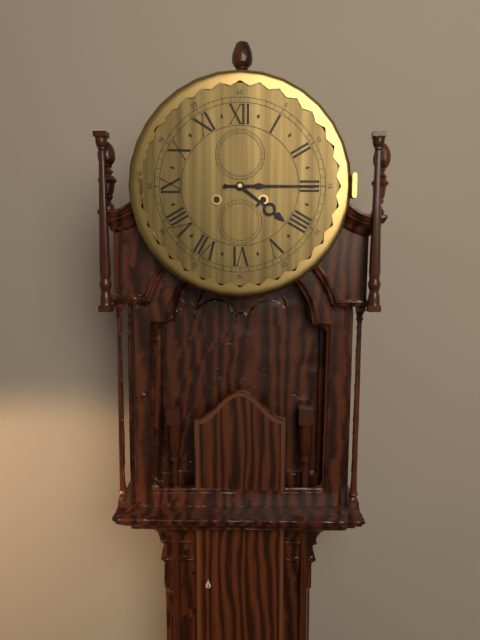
4:15
